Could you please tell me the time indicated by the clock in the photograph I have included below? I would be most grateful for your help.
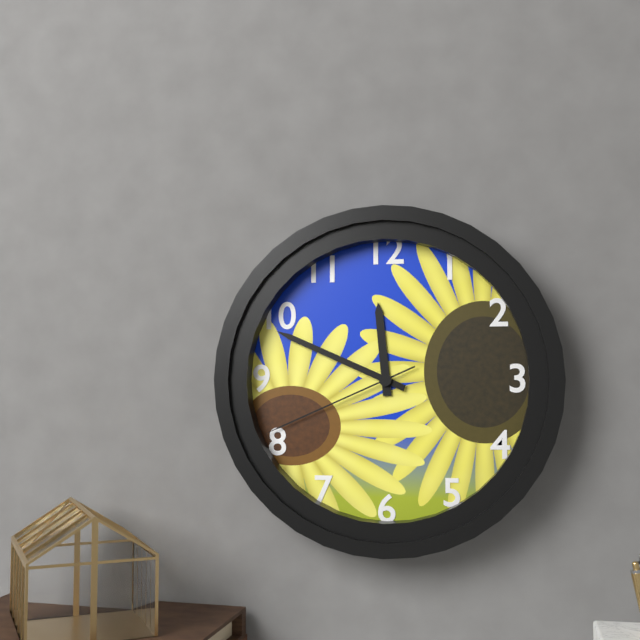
11:49:41
